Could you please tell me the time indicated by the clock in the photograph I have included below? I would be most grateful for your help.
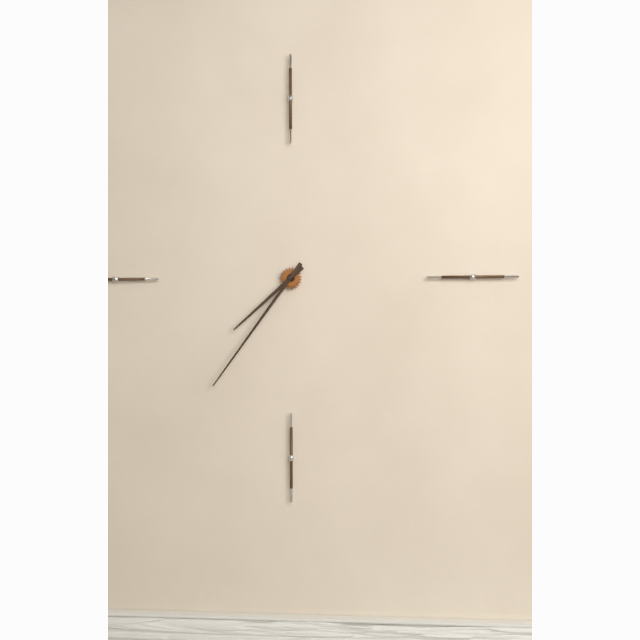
7:36
